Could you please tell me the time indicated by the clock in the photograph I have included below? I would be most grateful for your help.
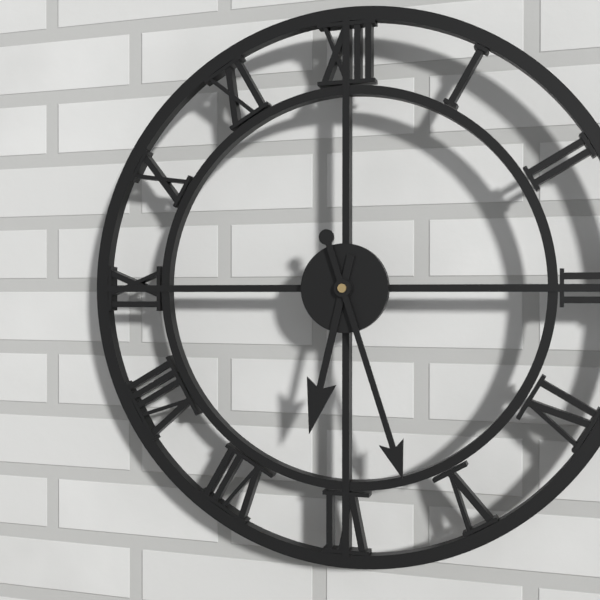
6:27
